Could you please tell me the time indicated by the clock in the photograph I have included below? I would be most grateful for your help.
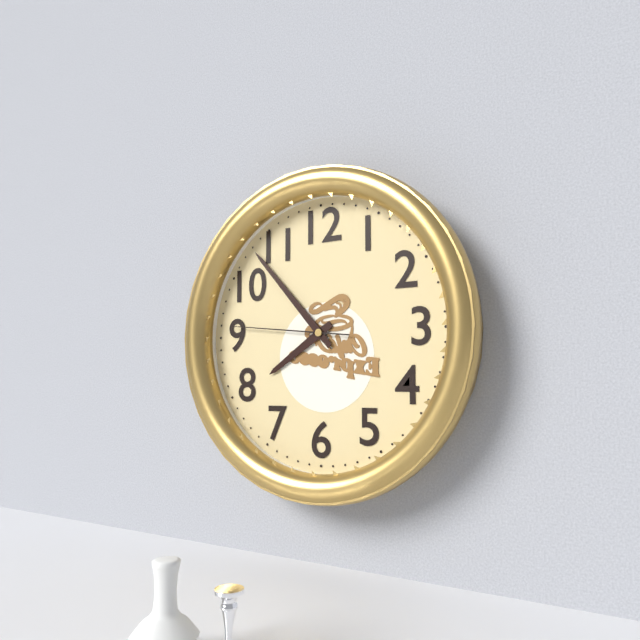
7:53:46
